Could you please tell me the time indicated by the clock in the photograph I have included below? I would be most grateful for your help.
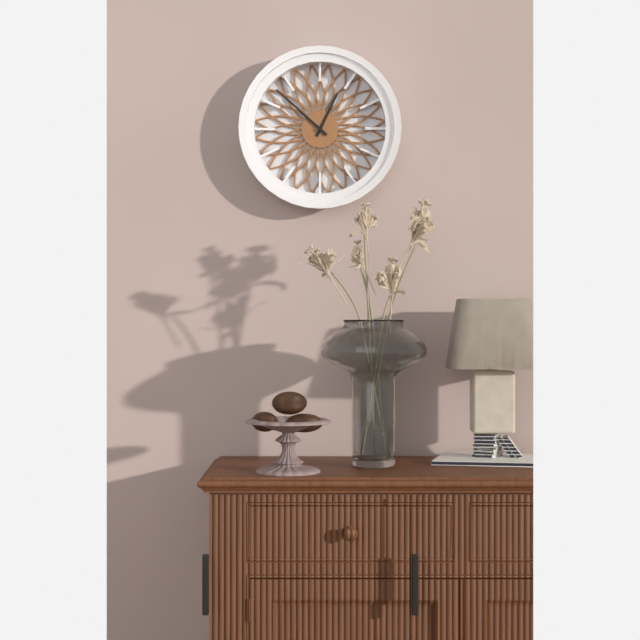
12:52
